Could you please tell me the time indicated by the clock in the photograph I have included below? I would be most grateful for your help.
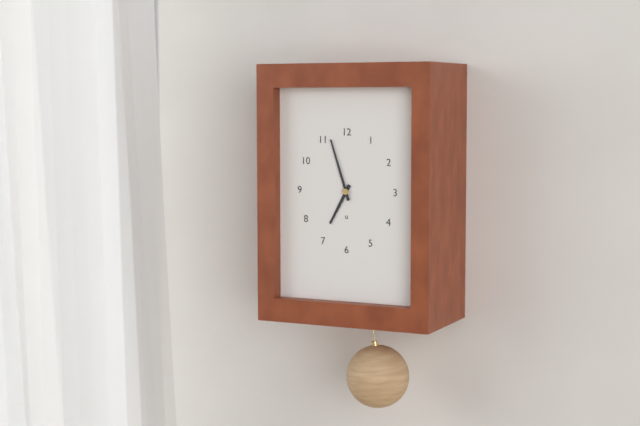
6:57
